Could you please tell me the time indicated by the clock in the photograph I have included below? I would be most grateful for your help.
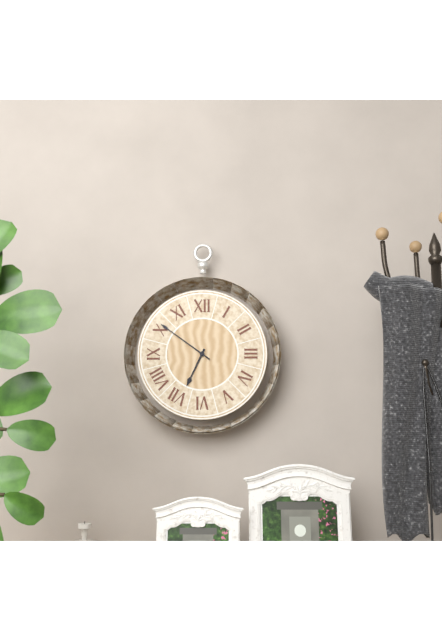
6:51
